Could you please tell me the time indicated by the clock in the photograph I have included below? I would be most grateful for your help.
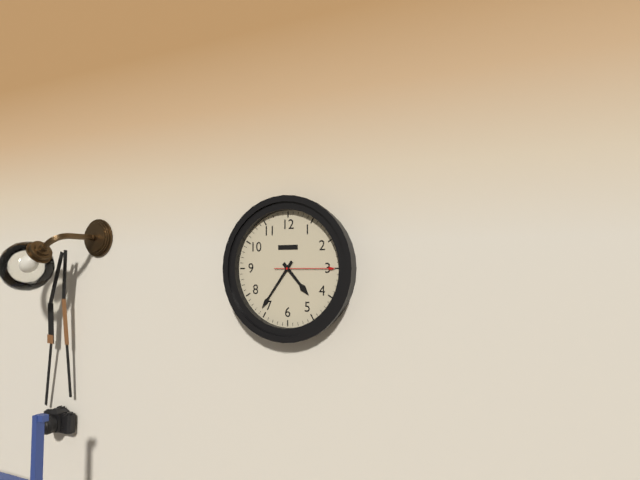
4:36:15
